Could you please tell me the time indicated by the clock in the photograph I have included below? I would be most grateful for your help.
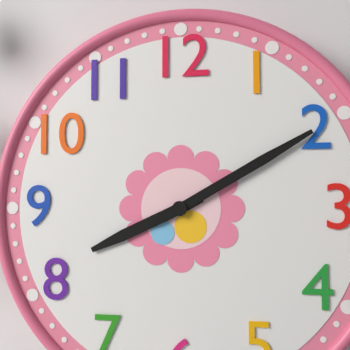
8:10
